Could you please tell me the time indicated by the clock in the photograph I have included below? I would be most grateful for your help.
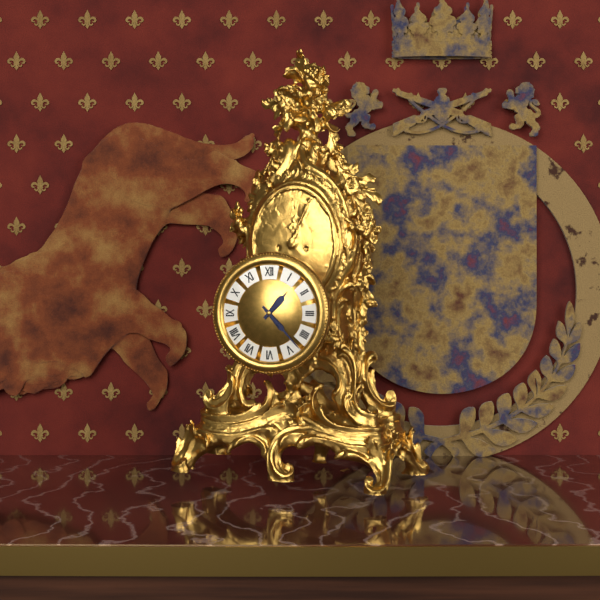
1:23
